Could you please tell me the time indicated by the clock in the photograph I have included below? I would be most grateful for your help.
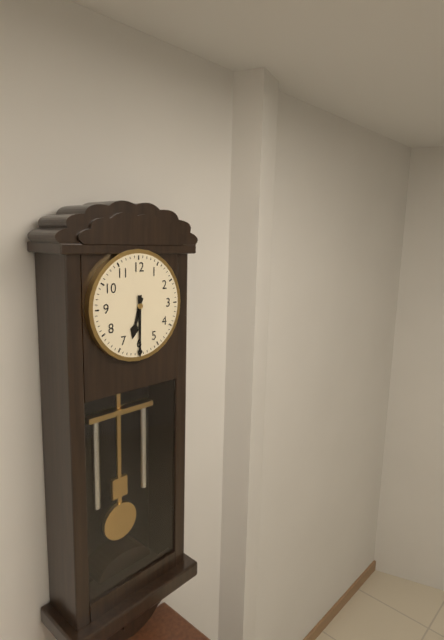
6:30
